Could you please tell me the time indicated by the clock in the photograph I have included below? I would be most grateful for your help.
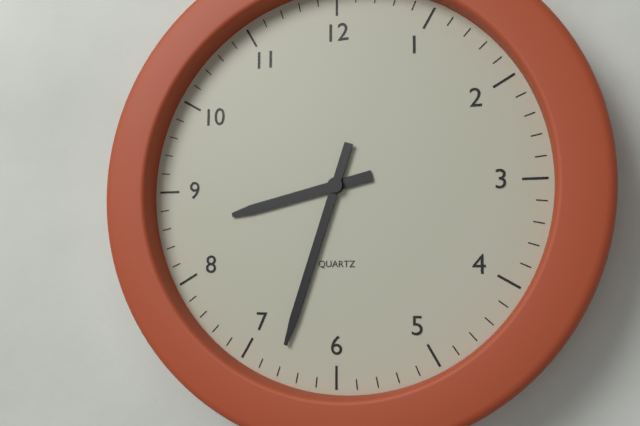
8:33
